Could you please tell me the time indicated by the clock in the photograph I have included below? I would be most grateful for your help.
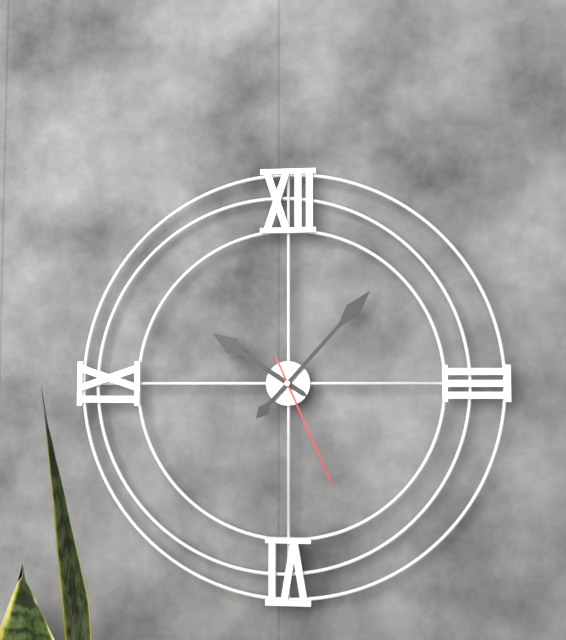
10:07:26
